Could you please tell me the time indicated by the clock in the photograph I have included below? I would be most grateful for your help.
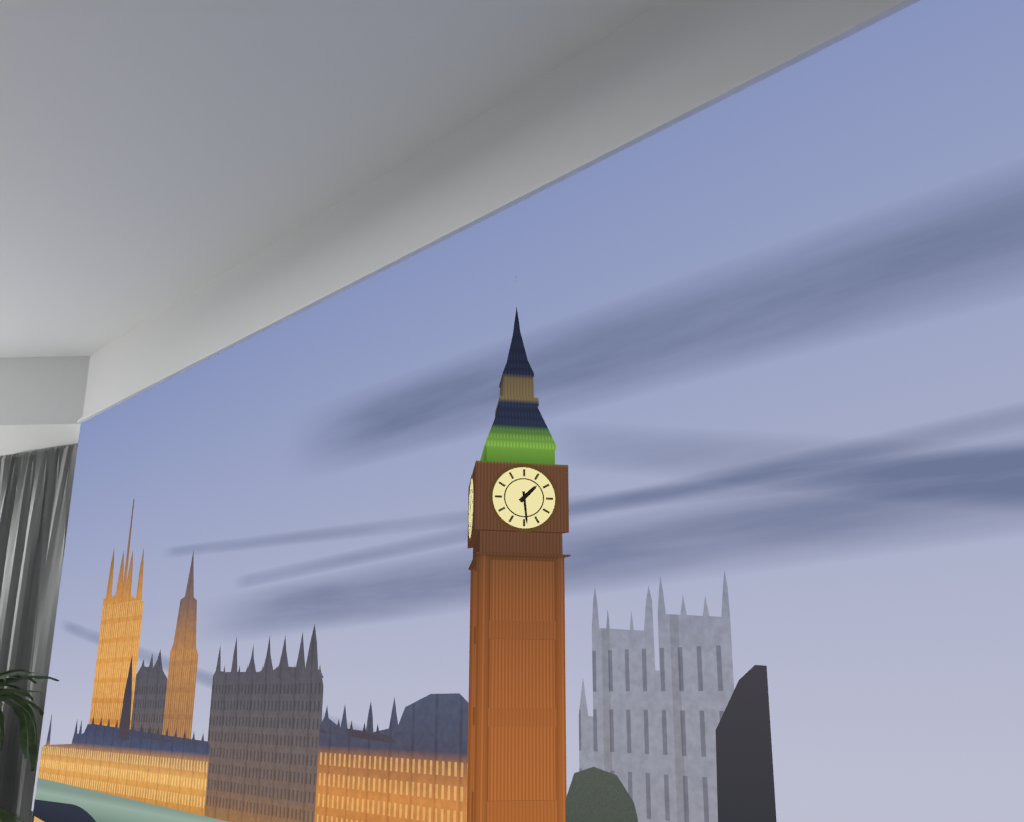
1:29
